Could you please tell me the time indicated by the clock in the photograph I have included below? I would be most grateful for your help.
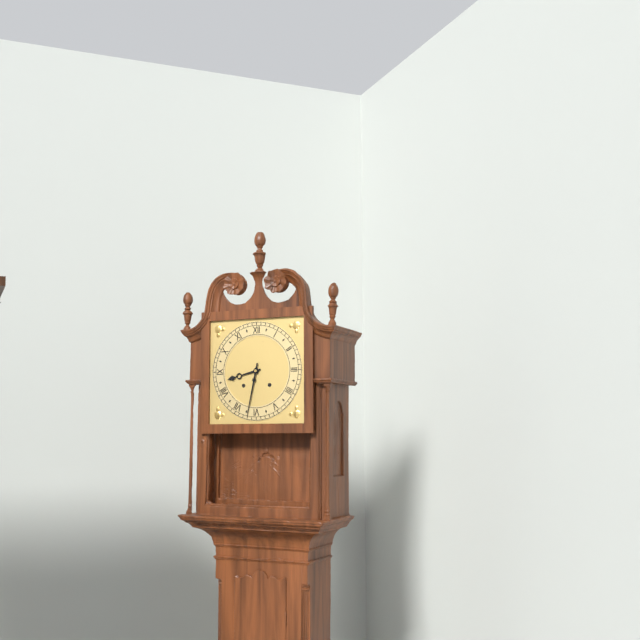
8:32
